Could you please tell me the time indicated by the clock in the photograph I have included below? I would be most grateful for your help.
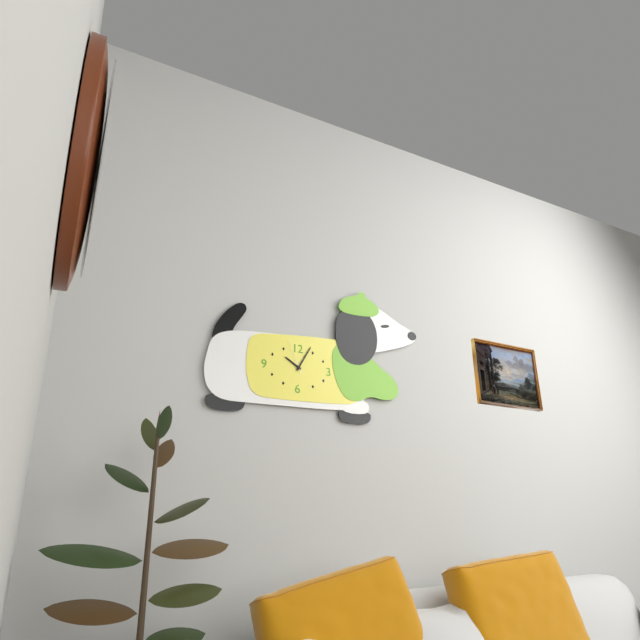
10:05
